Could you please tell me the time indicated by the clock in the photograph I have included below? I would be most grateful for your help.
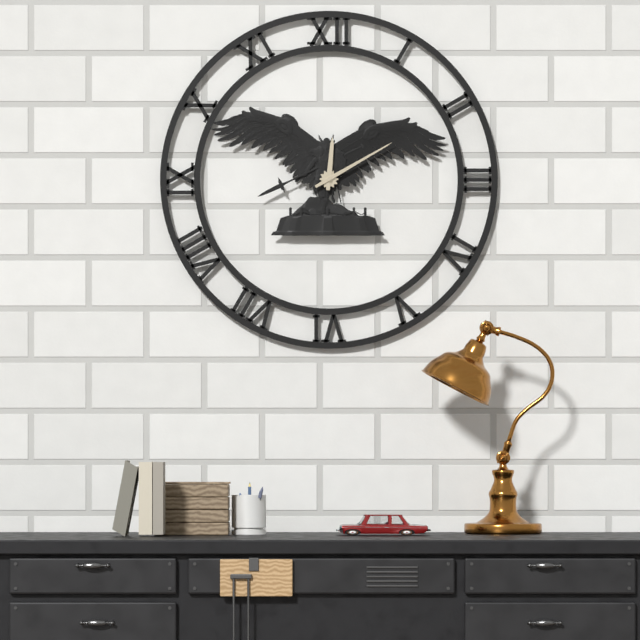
12:10
